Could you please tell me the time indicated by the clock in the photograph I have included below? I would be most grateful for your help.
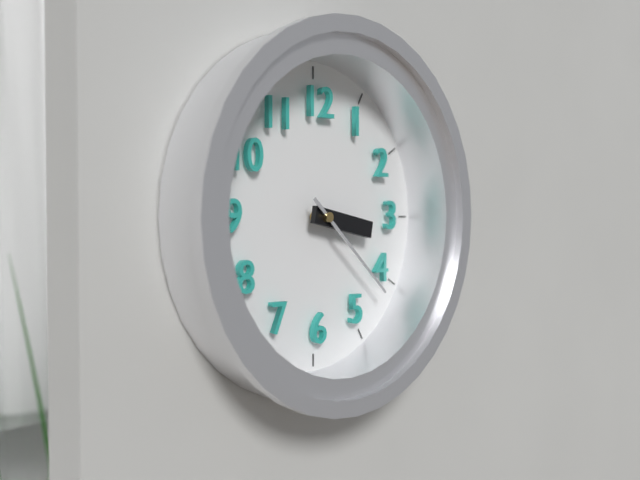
3:22
